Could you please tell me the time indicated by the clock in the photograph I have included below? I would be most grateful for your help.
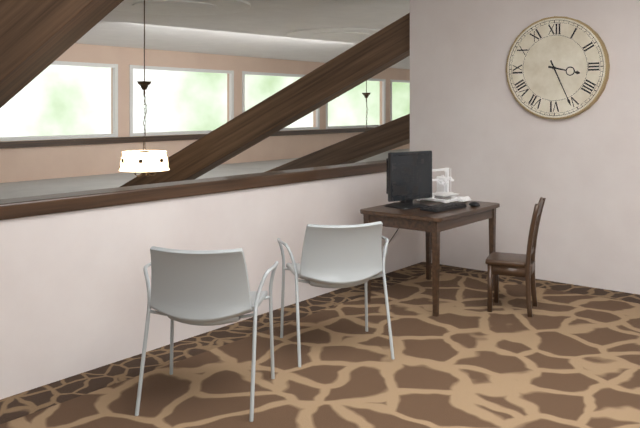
3:26
